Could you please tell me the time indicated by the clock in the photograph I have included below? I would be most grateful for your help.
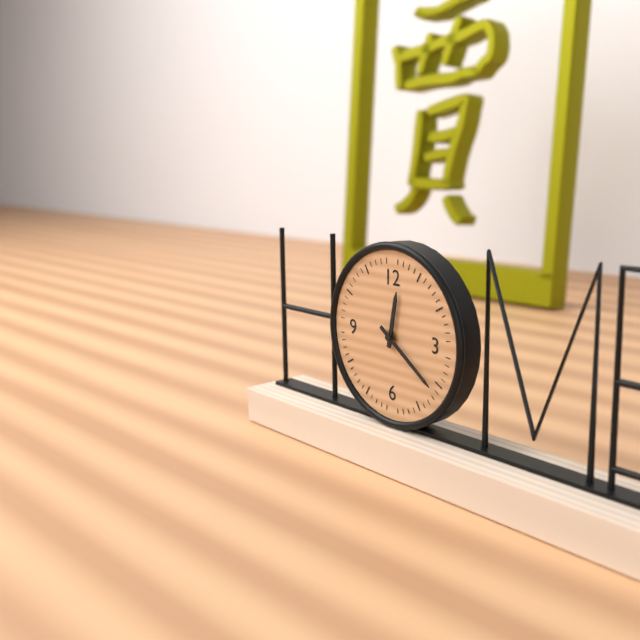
12:21
